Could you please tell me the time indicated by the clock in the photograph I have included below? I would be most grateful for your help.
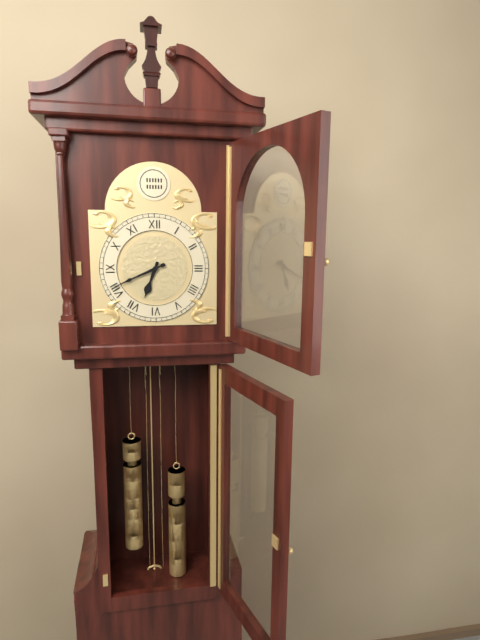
6:41
